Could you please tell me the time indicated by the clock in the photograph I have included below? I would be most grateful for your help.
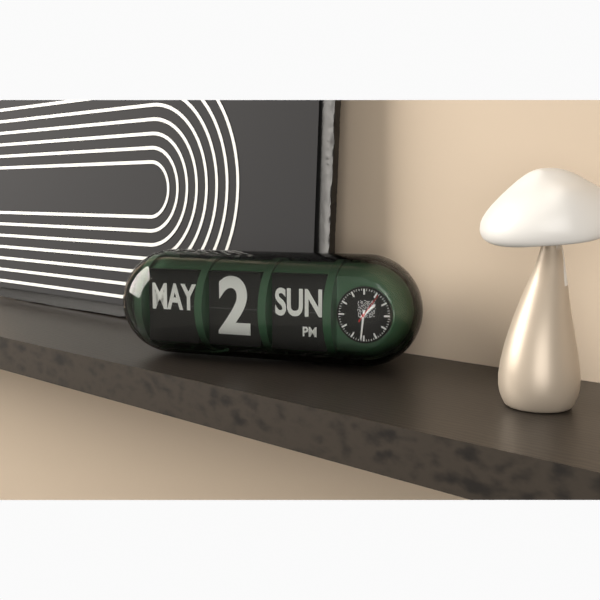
1:31
